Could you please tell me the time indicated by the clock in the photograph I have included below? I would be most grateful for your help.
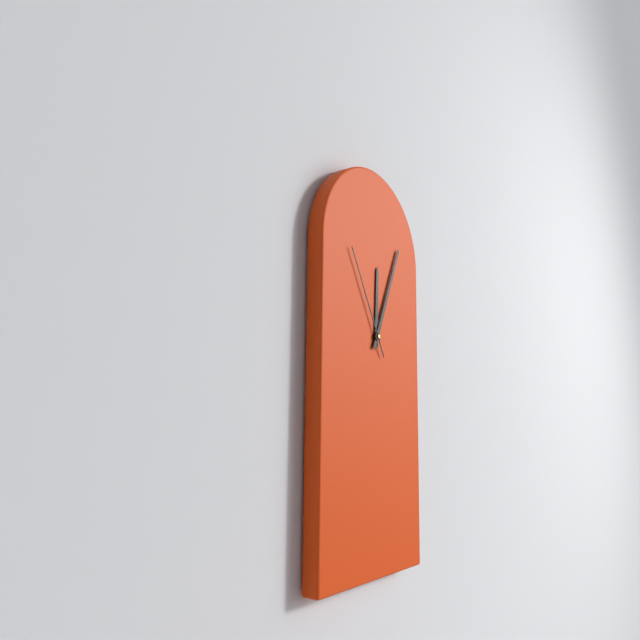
12:04:55
